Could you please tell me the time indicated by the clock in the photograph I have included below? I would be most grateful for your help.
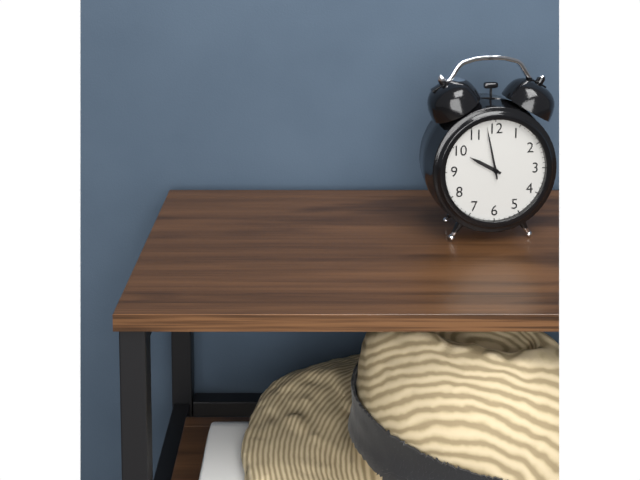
9:58
